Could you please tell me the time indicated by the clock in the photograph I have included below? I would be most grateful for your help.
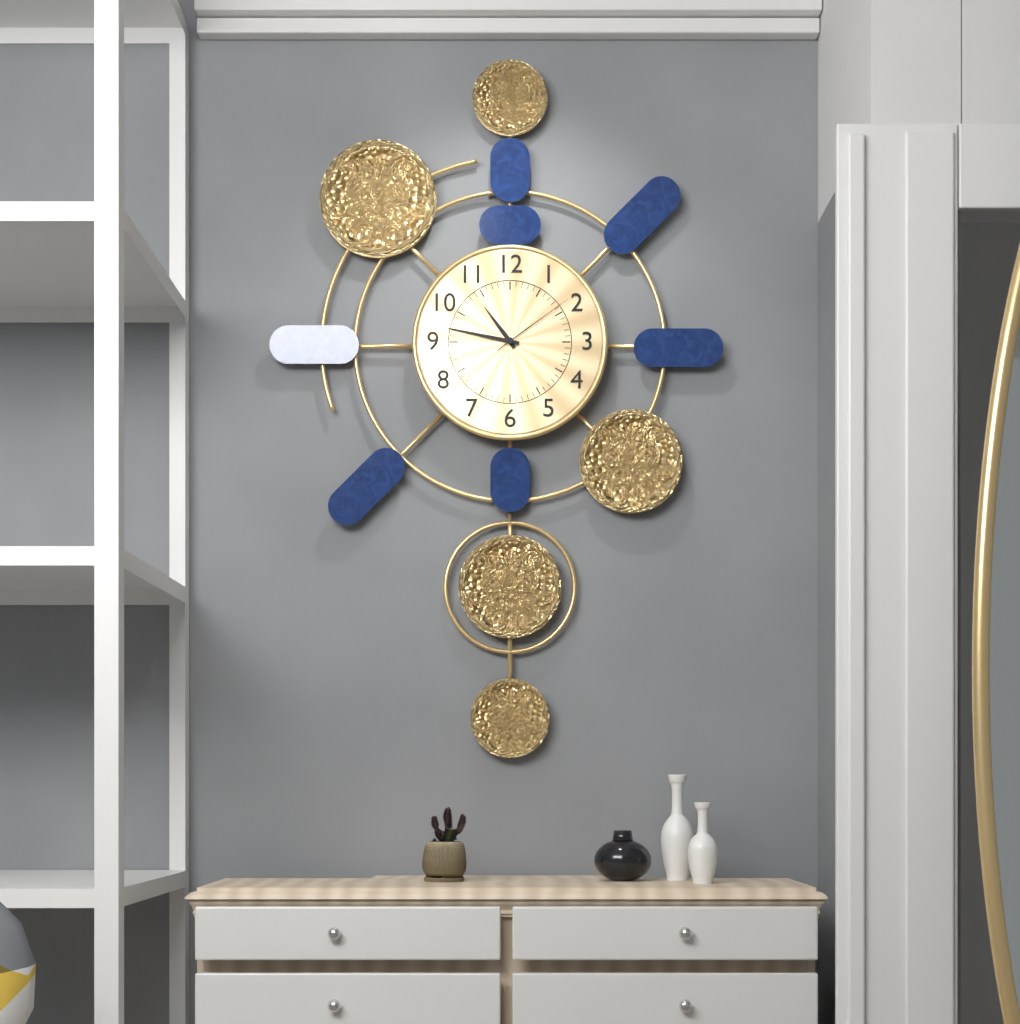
10:47:09
